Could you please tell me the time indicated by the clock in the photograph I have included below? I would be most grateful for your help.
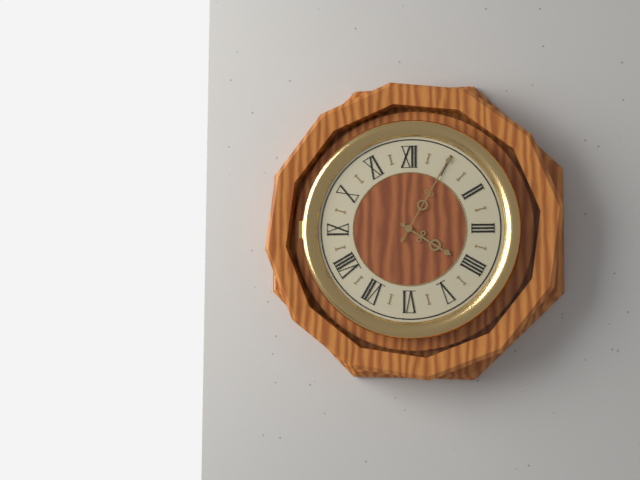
4:05
